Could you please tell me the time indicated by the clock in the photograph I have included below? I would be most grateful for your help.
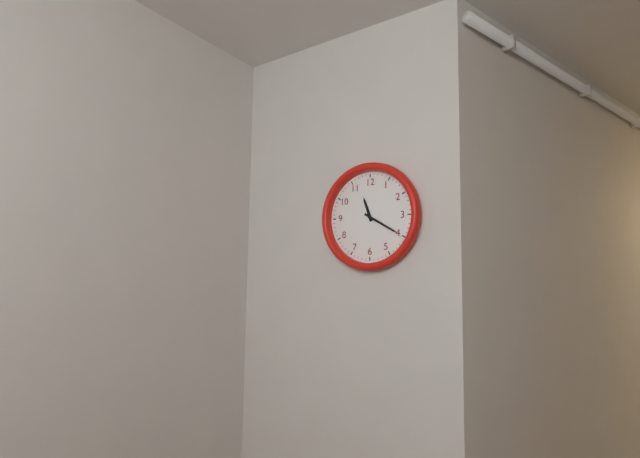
11:20
